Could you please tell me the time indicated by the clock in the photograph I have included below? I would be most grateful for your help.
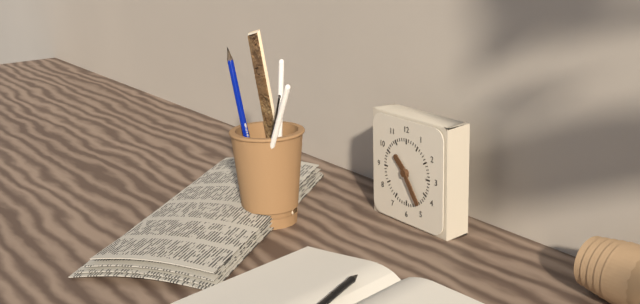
10:24
